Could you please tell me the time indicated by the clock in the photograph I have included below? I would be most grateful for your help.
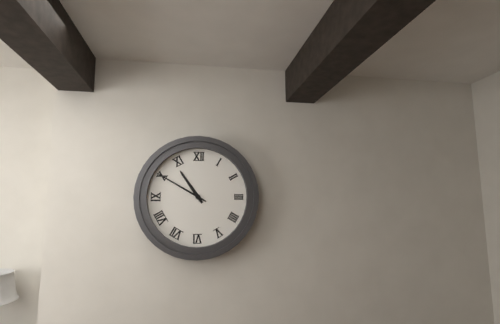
10:50
